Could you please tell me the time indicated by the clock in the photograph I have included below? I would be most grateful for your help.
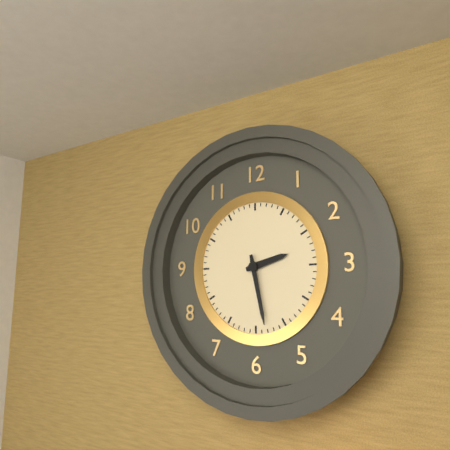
2:28
